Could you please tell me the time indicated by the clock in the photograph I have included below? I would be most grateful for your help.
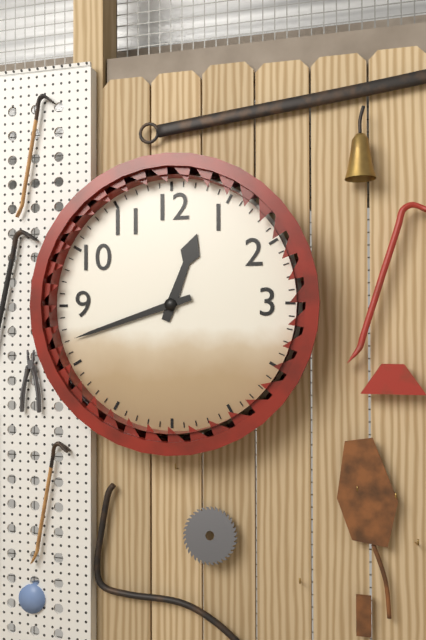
12:42
